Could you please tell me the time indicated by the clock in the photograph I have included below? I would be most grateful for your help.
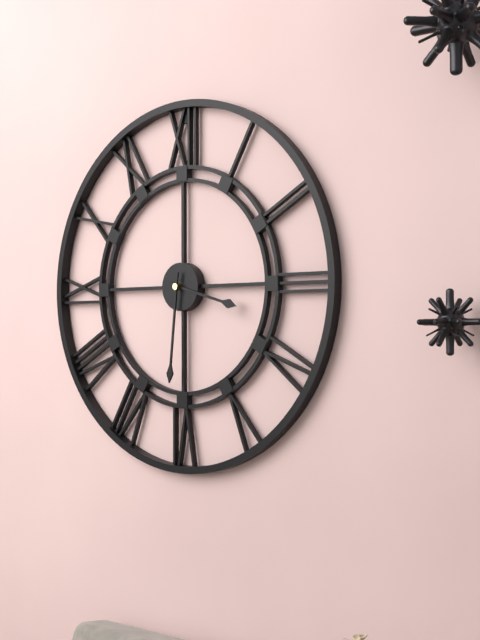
3:31
